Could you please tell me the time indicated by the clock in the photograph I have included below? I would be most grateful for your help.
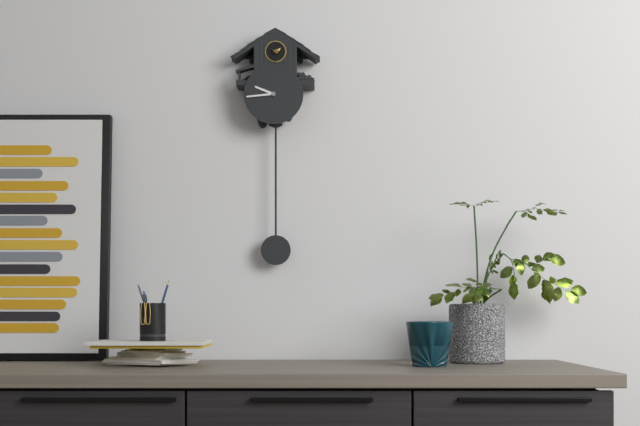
9:44
